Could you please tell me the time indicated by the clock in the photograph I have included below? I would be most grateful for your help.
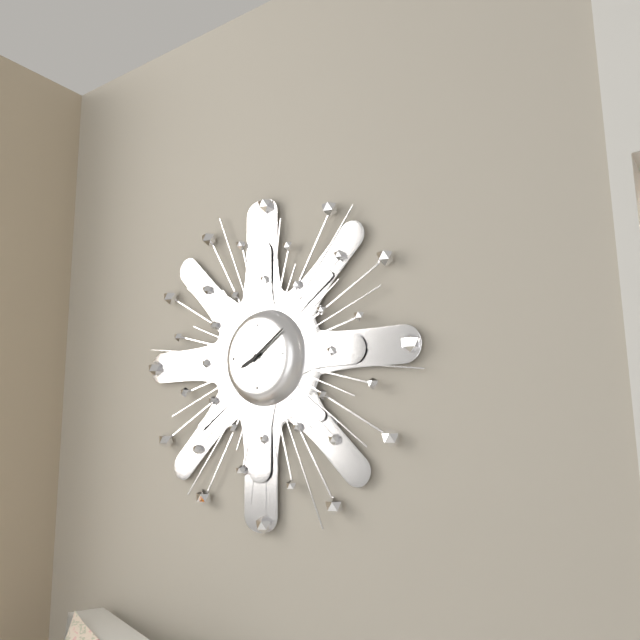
8:09
